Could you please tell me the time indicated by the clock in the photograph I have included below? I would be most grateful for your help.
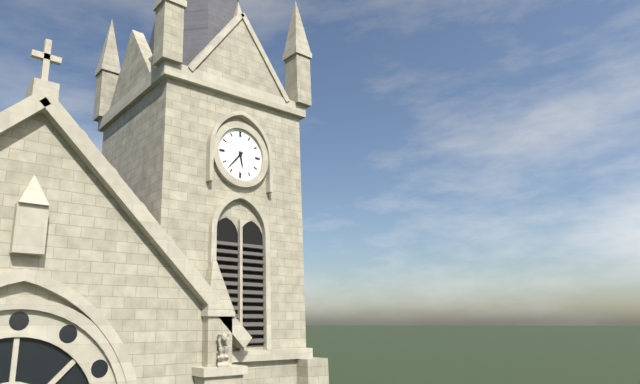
5:37
